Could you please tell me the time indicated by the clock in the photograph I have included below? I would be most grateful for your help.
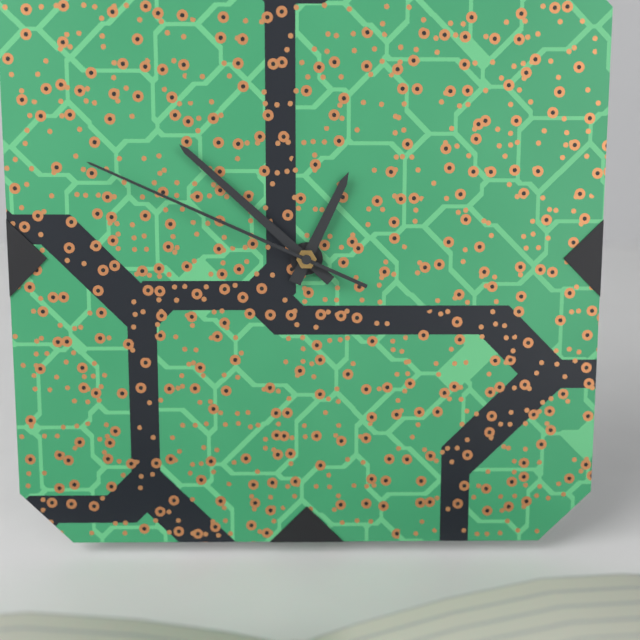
12:52:49
